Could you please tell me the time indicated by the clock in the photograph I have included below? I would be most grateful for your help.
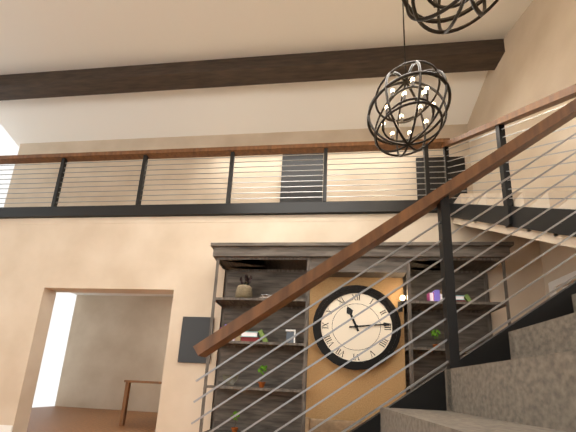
11:14
